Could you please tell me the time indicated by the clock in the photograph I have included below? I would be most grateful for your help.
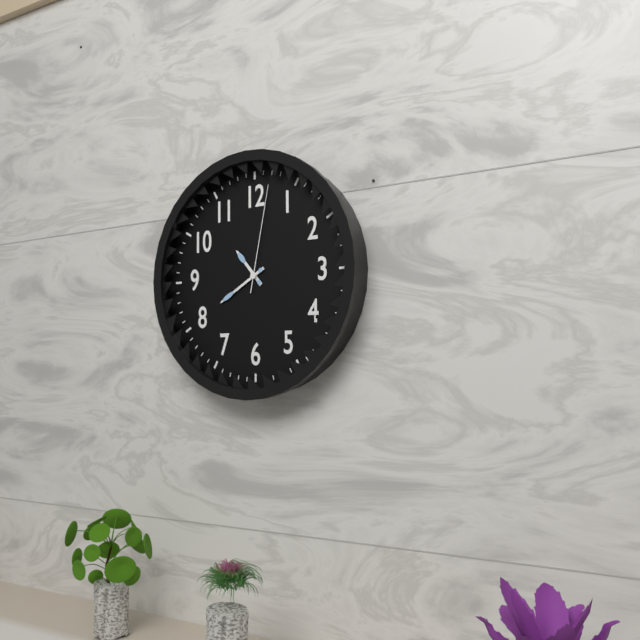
10:40:02
